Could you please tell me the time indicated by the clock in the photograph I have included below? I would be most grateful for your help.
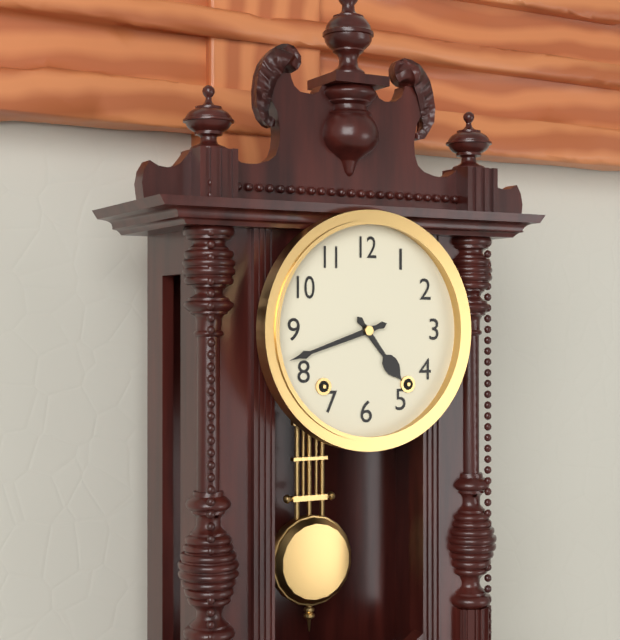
4:42
